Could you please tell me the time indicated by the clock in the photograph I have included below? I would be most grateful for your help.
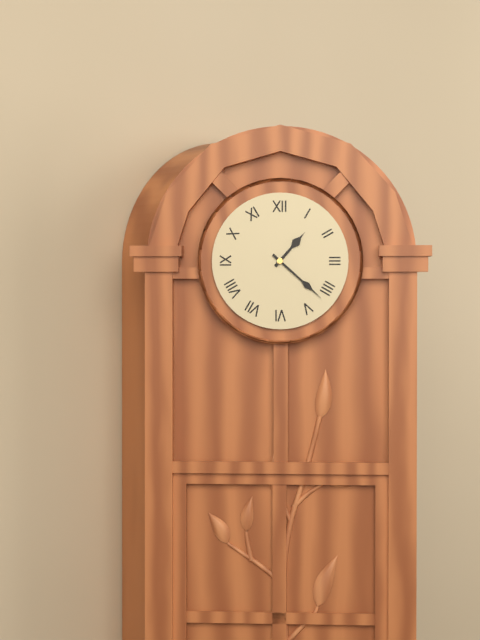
1:22
